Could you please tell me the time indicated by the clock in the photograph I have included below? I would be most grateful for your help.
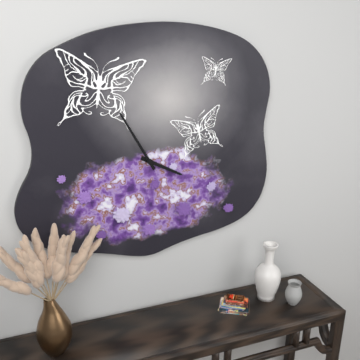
3:55
